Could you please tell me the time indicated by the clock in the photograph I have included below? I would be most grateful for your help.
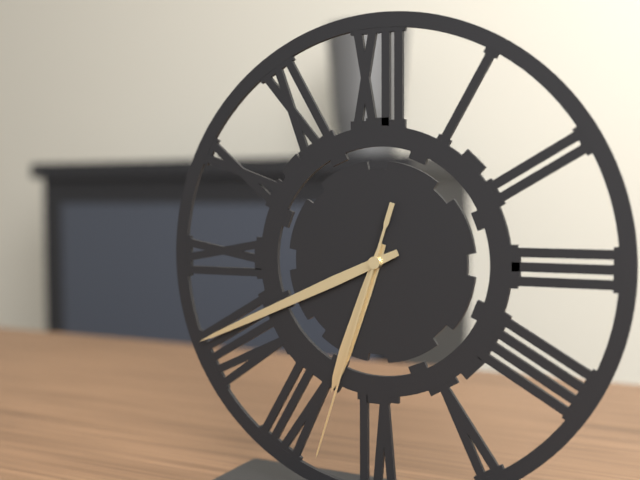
6:41:33
